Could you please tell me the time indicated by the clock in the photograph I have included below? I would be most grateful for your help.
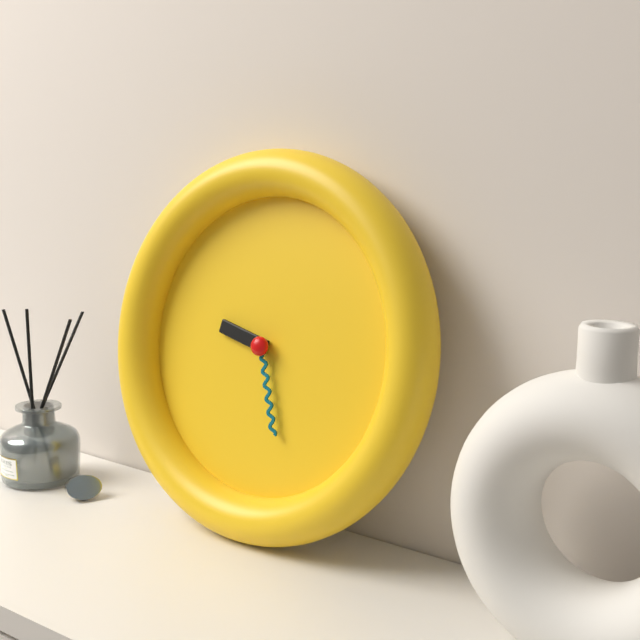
9:27
